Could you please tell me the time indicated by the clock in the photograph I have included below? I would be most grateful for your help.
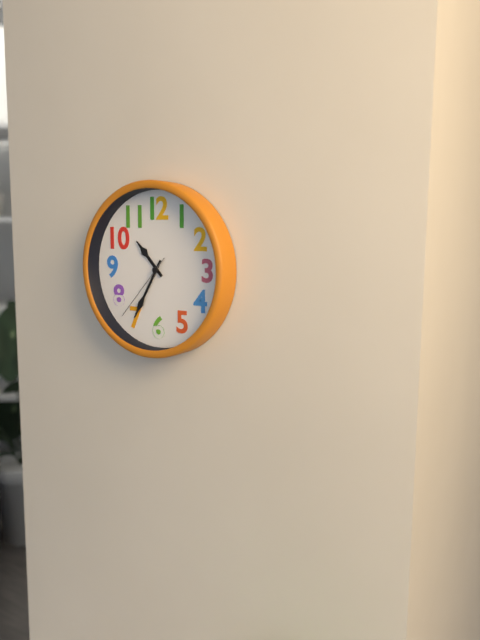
10:35:37
